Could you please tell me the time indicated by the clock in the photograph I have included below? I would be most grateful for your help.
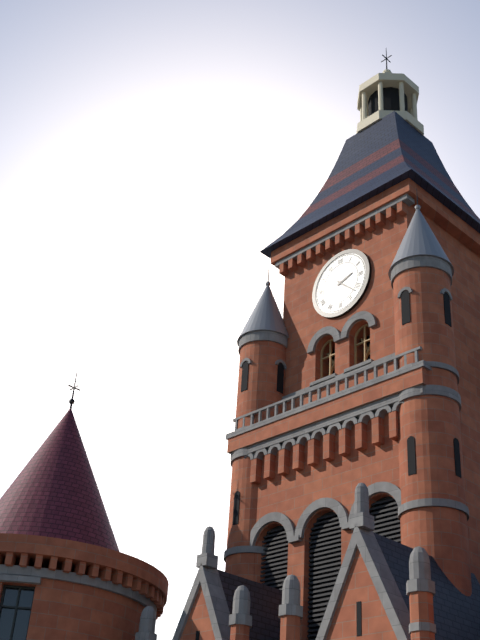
2:22
